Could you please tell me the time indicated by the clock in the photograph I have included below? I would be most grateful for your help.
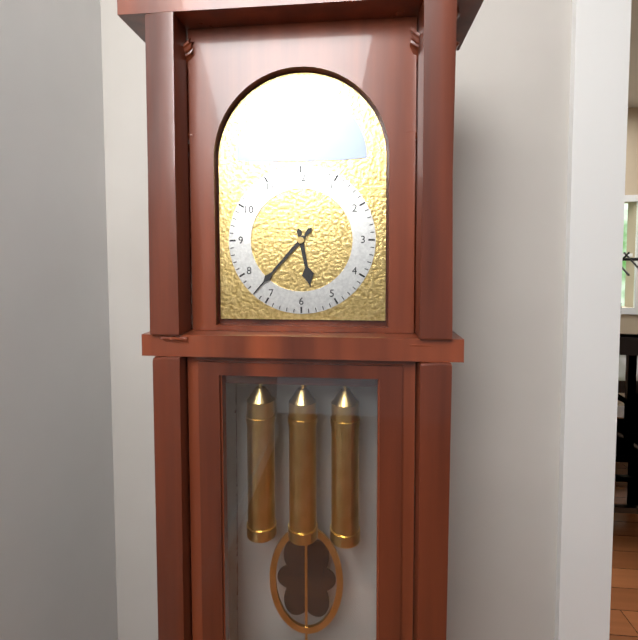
5:37
